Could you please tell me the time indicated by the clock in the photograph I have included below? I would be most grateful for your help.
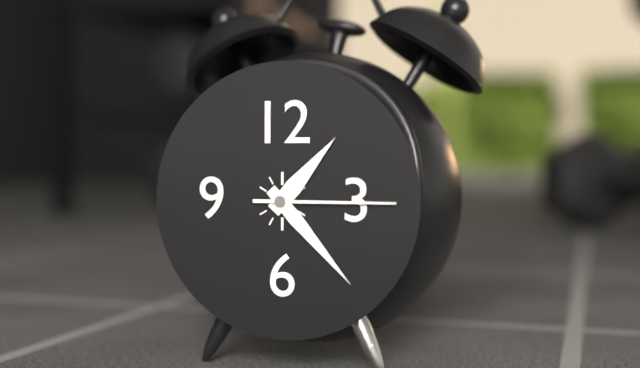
1:23:15
